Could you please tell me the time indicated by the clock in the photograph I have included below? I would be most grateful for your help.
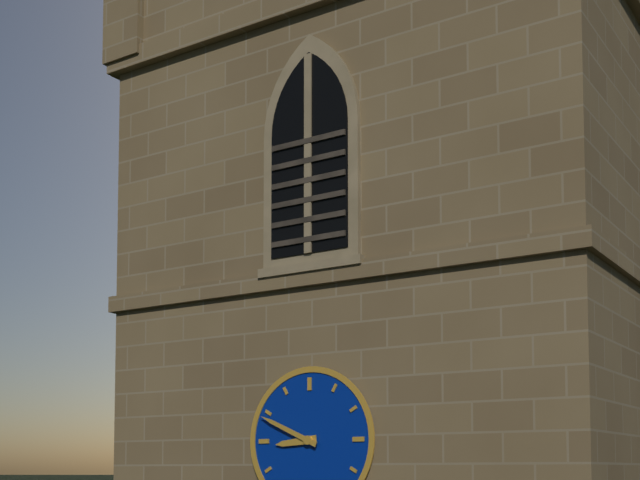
8:49
